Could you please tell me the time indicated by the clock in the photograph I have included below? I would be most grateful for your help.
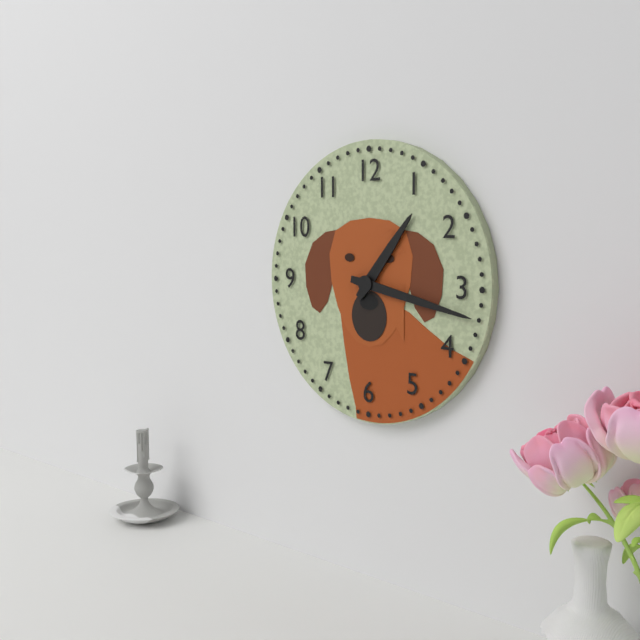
1:17
